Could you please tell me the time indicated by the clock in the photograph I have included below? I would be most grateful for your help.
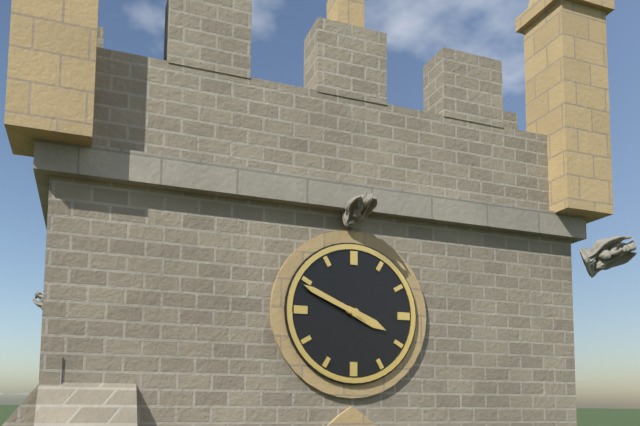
3:49
